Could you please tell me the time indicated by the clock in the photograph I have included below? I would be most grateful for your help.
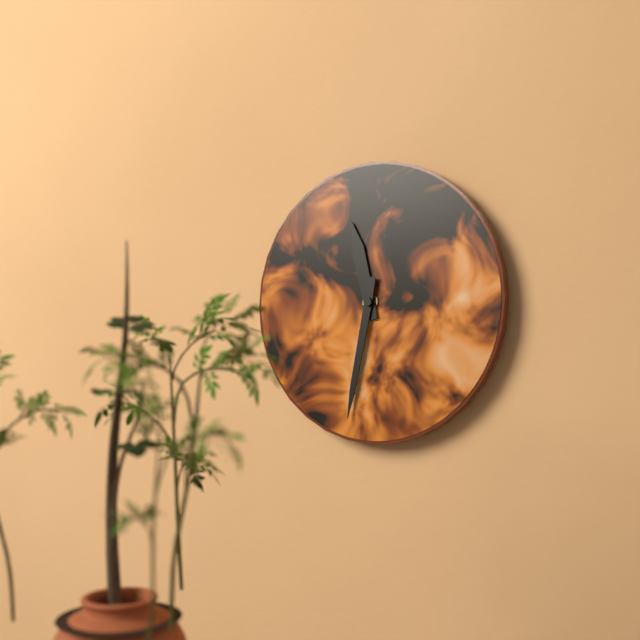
11:32
